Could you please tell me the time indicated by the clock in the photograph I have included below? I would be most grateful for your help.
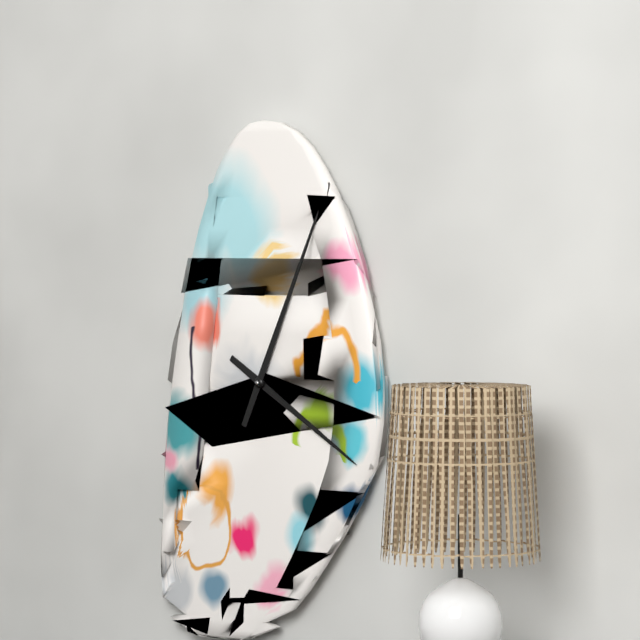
4:04
